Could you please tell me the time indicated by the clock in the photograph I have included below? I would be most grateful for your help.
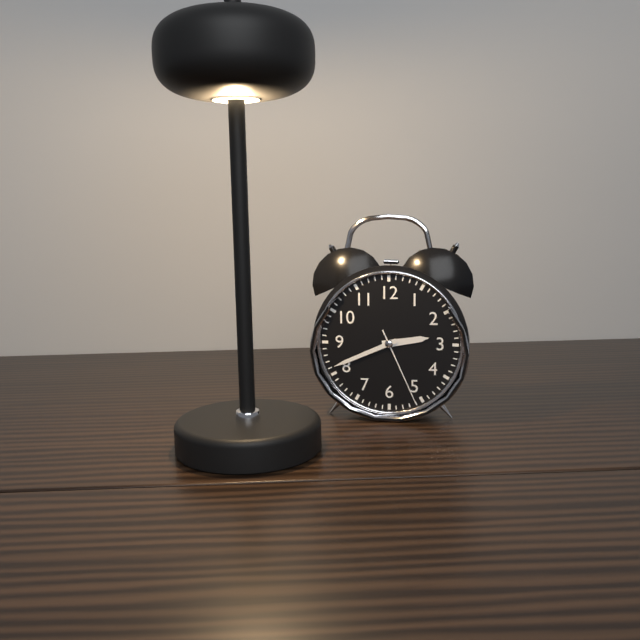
2:41:26
